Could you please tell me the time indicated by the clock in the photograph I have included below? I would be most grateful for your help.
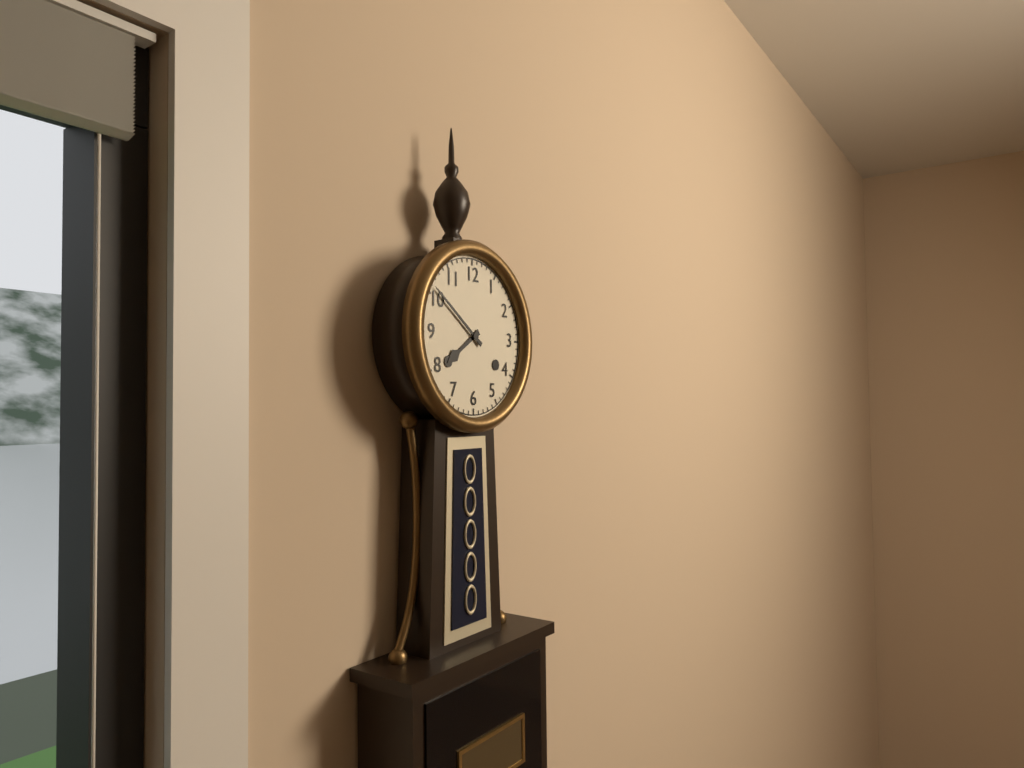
7:51
